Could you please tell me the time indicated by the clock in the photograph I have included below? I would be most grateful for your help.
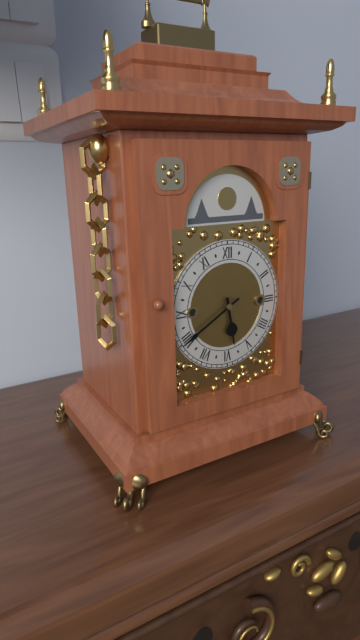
5:40
